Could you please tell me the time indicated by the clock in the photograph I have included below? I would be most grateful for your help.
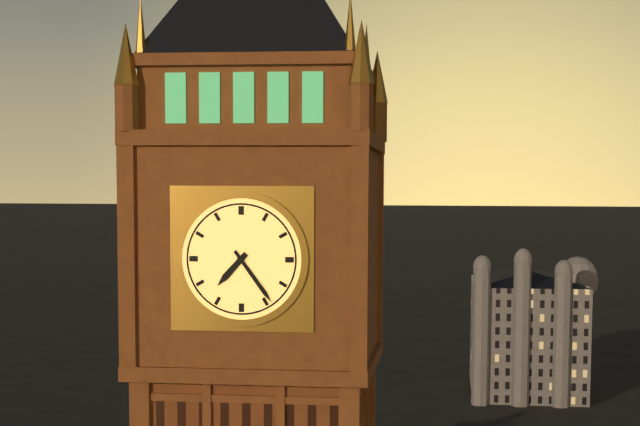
7:24
